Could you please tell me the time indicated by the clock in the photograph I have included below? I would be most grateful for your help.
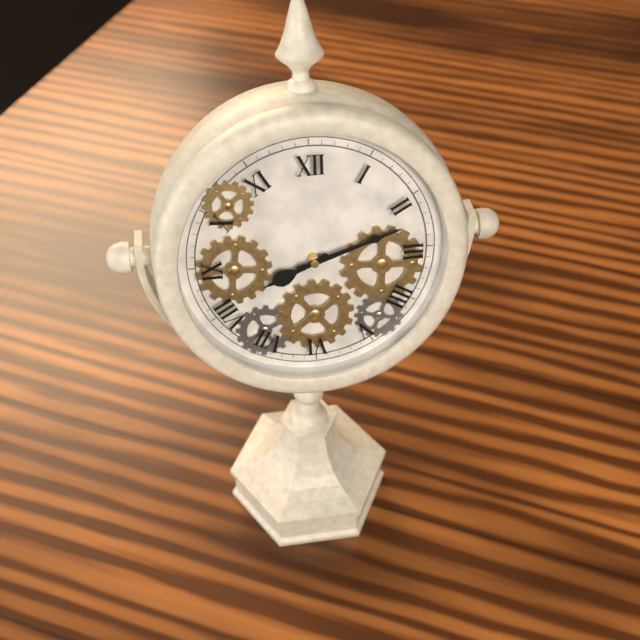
8:12
